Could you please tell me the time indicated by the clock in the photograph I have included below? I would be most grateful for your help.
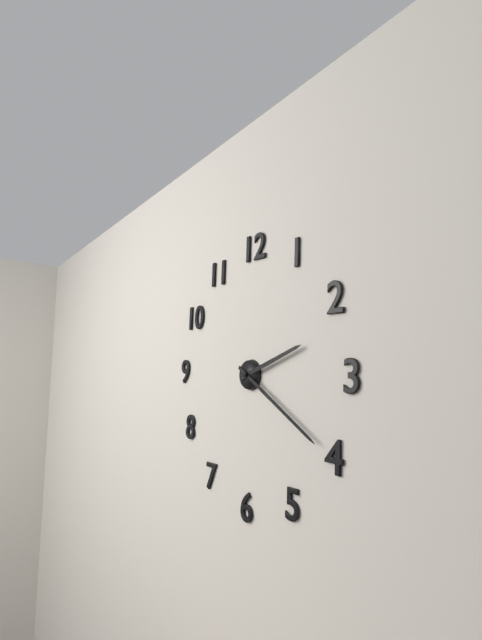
2:20
